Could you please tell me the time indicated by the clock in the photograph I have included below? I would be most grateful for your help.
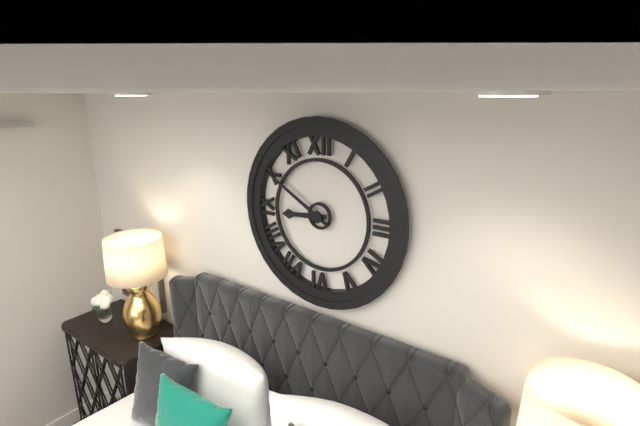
8:50
